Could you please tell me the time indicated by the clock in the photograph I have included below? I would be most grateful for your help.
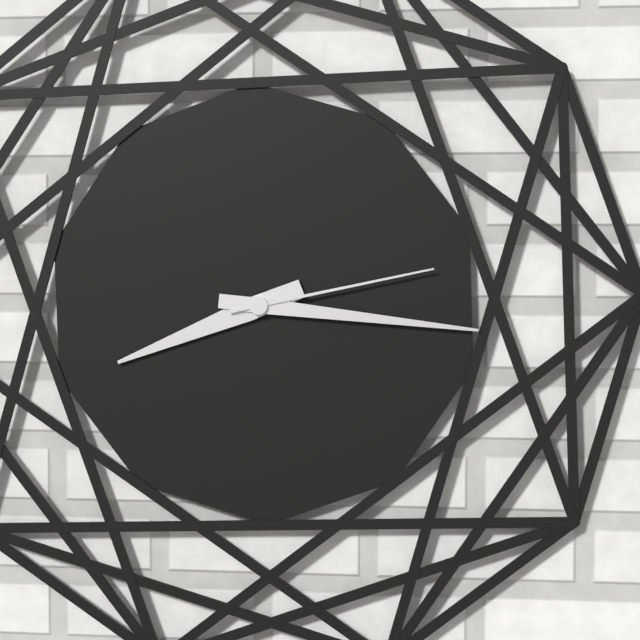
8:16:13
